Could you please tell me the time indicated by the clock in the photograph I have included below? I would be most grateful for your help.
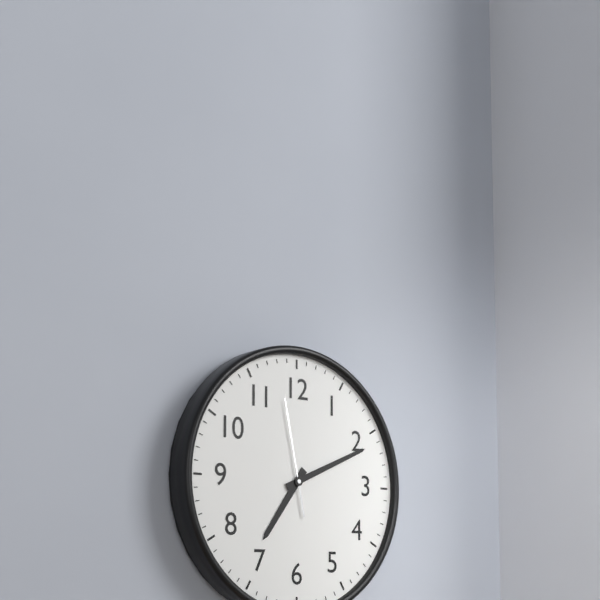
7:11:58
